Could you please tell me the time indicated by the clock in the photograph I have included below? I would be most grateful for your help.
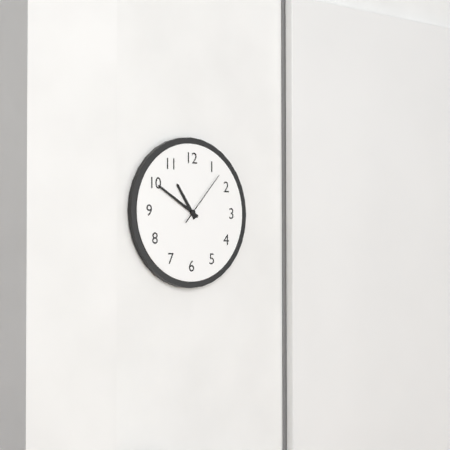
10:50:07
